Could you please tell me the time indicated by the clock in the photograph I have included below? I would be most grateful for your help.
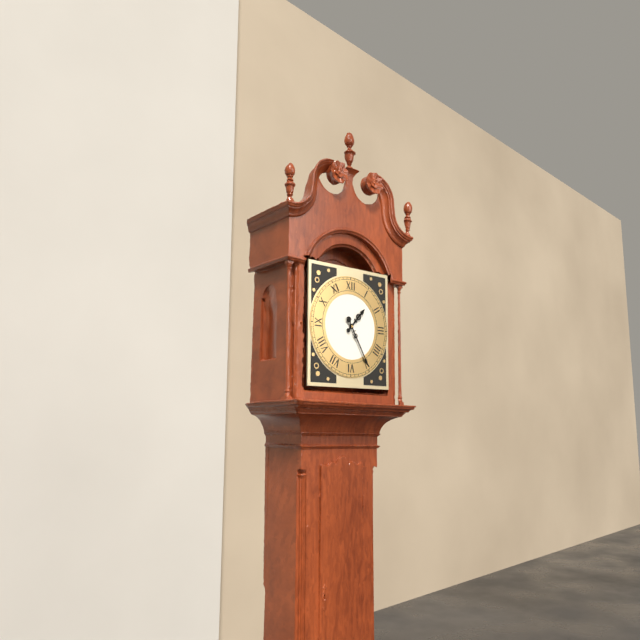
1:25
